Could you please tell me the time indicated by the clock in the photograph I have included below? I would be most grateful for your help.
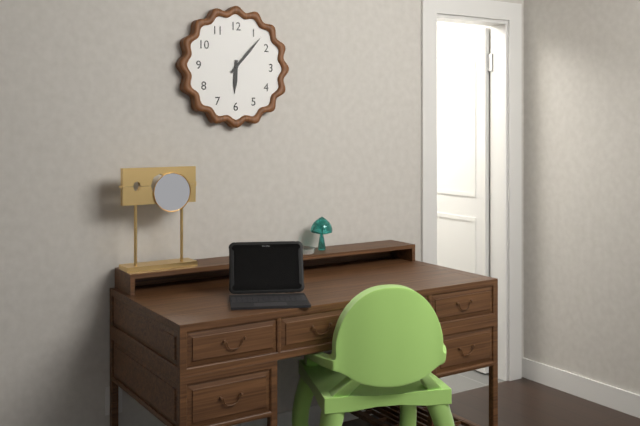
6:07
